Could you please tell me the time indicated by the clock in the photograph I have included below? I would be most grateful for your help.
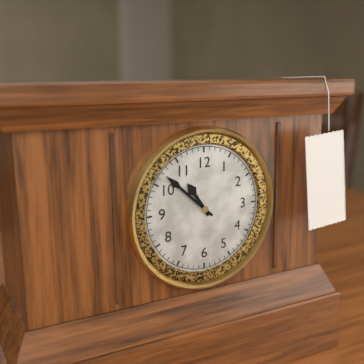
10:52
